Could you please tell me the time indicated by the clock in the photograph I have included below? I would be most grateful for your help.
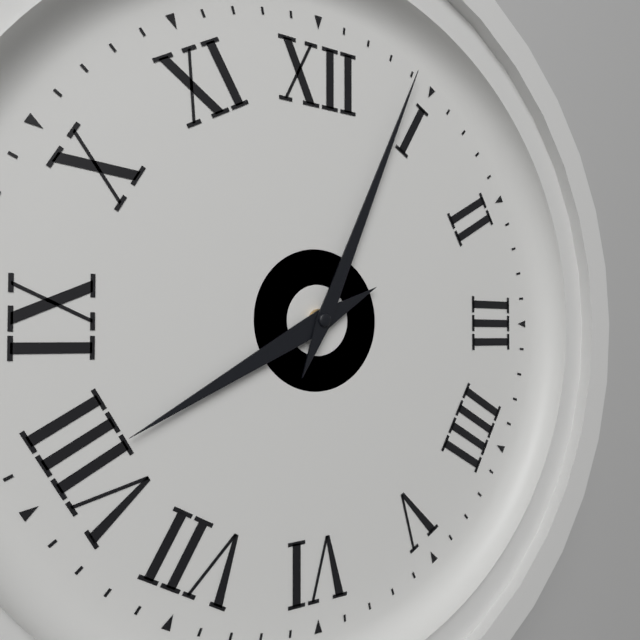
8:04
